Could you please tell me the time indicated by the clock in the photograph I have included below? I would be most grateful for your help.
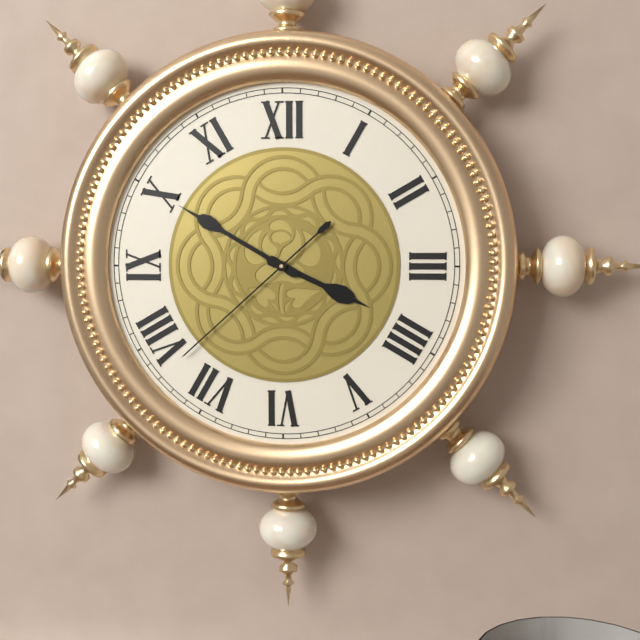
3:50:38
